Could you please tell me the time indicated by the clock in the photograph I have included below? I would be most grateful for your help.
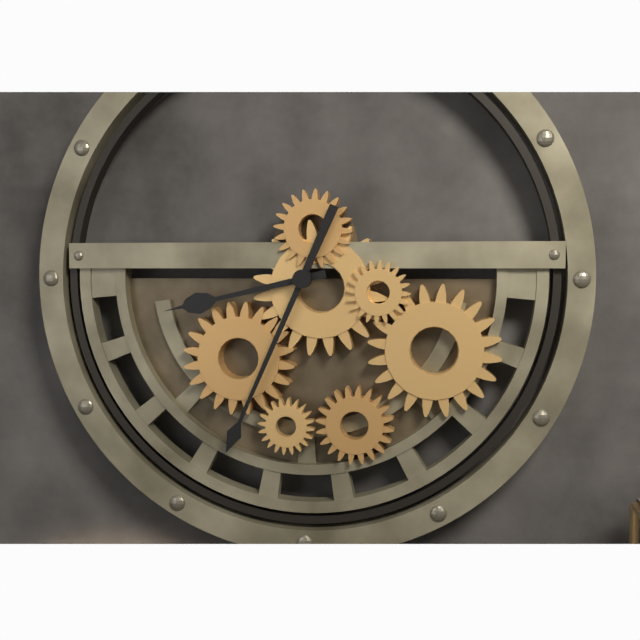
8:34
